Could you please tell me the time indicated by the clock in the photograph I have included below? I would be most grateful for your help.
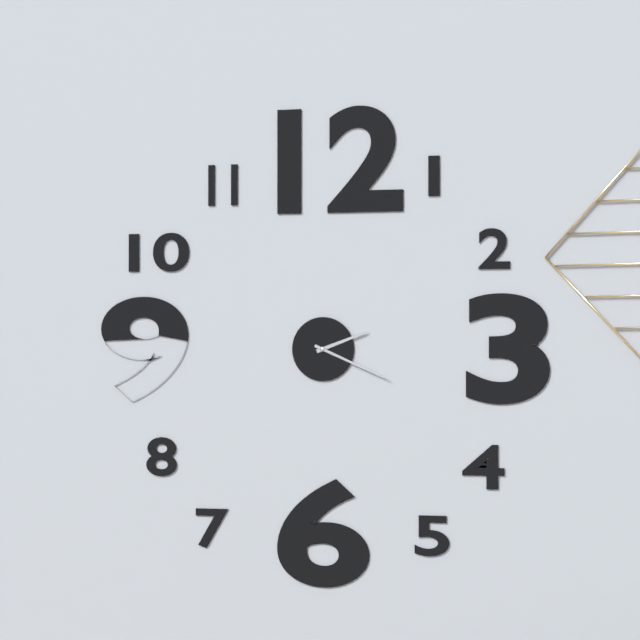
2:19
